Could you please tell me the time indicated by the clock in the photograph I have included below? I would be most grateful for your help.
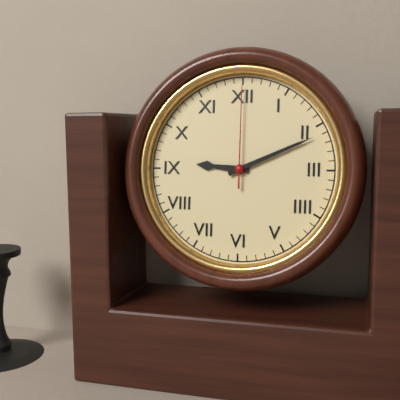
9:11:00
